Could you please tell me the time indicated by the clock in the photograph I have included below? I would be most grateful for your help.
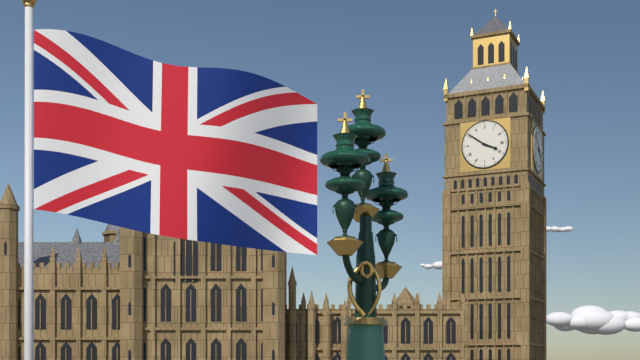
3:51
